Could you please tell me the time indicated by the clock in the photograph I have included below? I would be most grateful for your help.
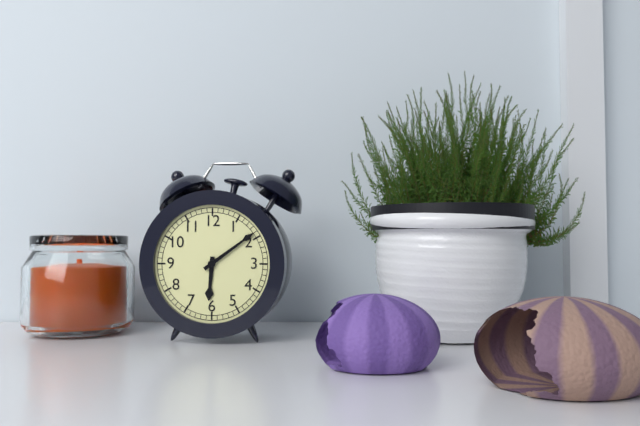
6:09
